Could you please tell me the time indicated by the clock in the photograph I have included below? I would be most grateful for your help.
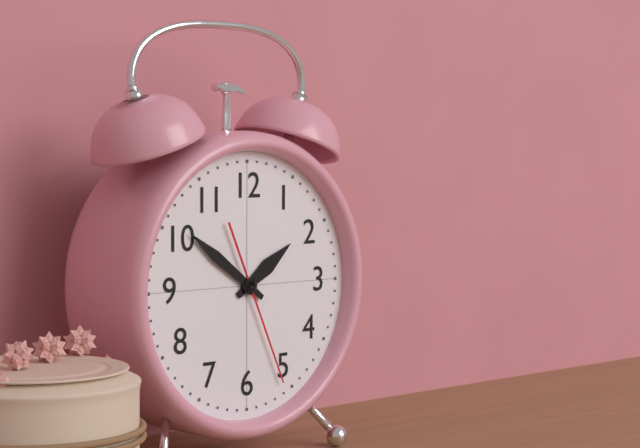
1:51:26
